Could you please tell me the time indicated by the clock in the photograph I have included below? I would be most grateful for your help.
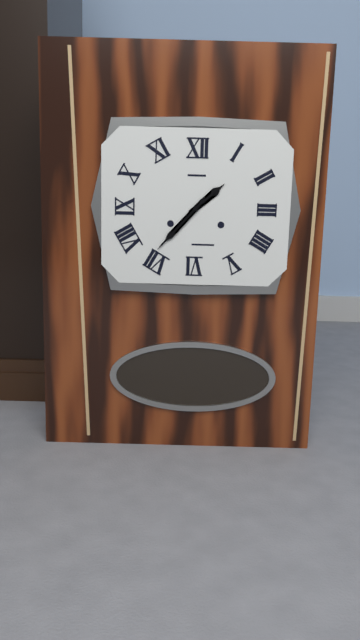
1:37
